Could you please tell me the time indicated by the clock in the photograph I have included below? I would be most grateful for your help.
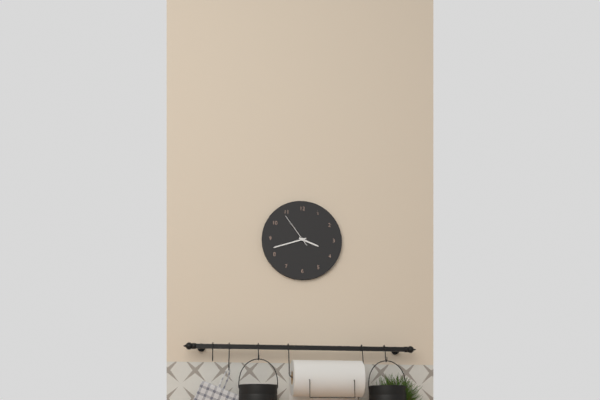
3:42
